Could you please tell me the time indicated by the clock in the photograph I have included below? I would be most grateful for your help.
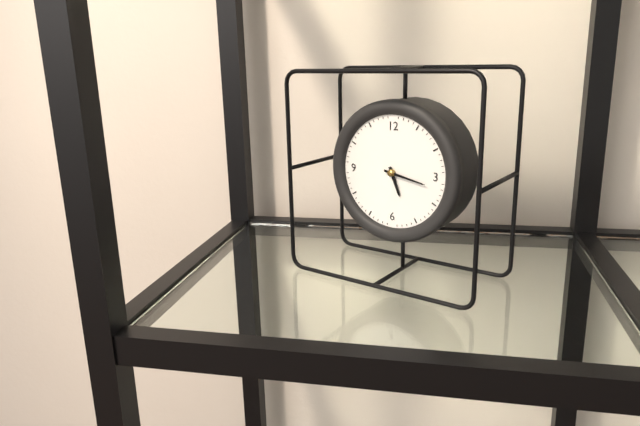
5:17
